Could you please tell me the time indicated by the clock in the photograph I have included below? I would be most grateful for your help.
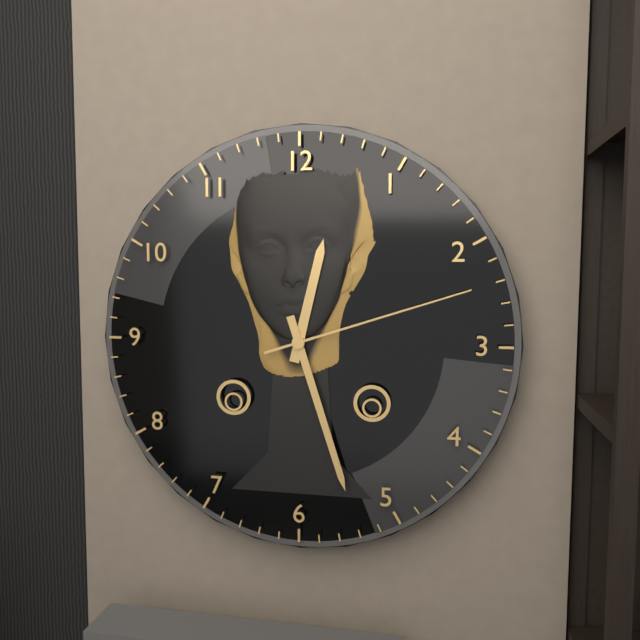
12:27:12
